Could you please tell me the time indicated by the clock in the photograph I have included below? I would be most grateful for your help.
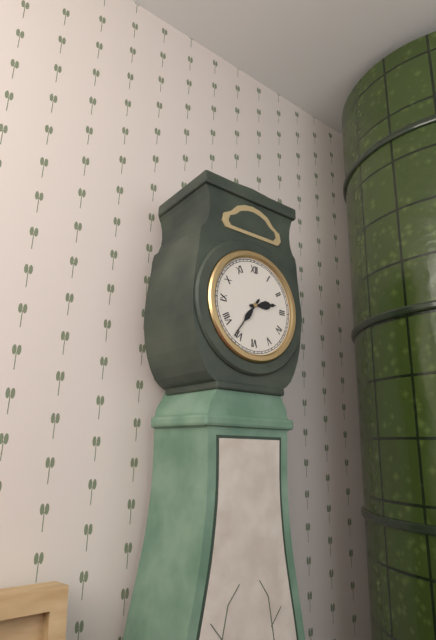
2:36
